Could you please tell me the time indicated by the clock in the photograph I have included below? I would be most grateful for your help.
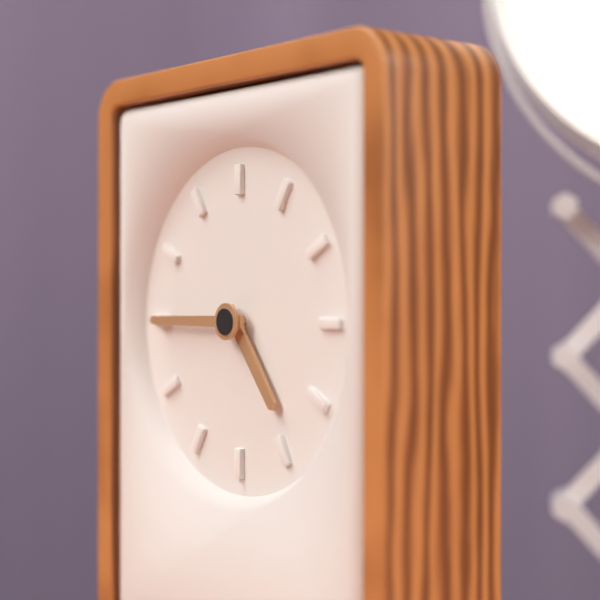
4:45
